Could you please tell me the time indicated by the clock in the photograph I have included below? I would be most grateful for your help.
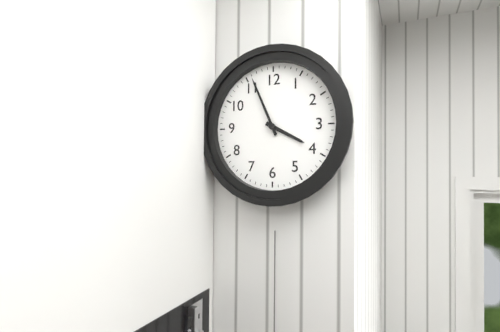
3:56
